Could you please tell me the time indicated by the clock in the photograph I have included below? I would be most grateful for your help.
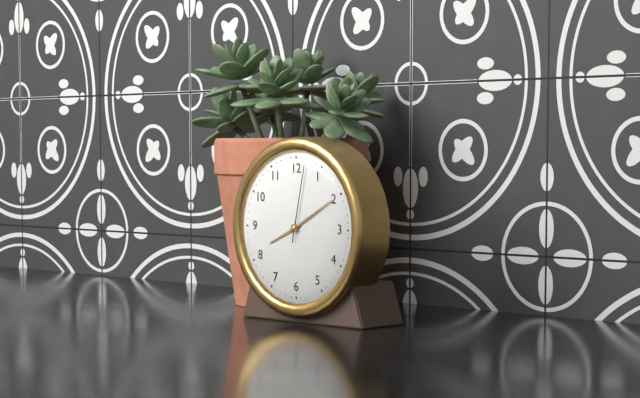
8:10:02
